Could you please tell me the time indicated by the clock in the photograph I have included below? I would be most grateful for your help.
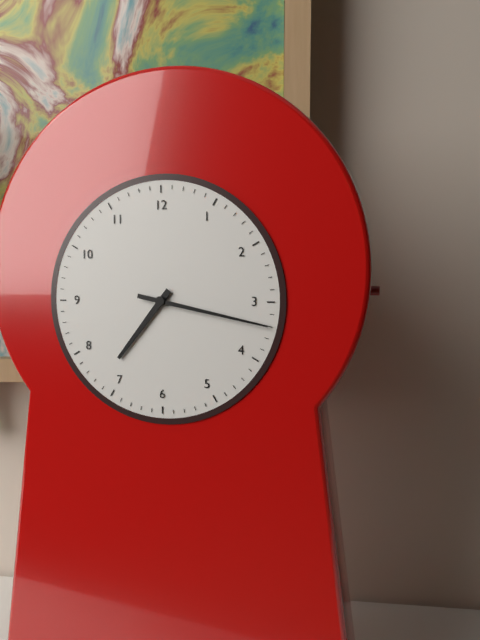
7:17
